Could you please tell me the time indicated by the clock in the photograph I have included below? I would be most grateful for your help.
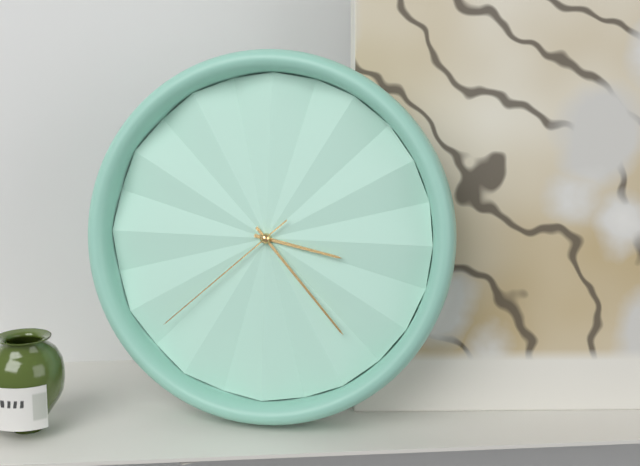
3:23:38
